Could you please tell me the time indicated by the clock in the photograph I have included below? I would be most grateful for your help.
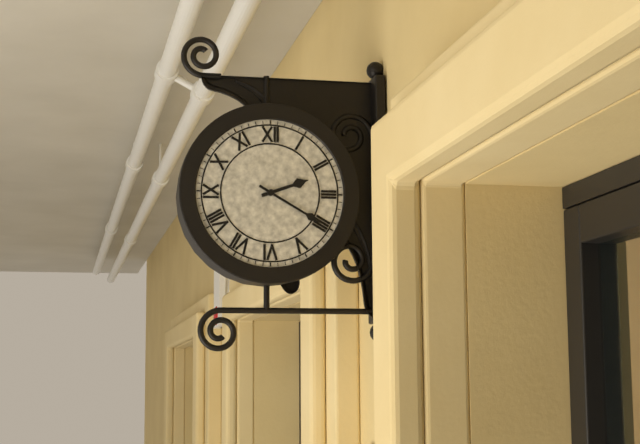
2:20
